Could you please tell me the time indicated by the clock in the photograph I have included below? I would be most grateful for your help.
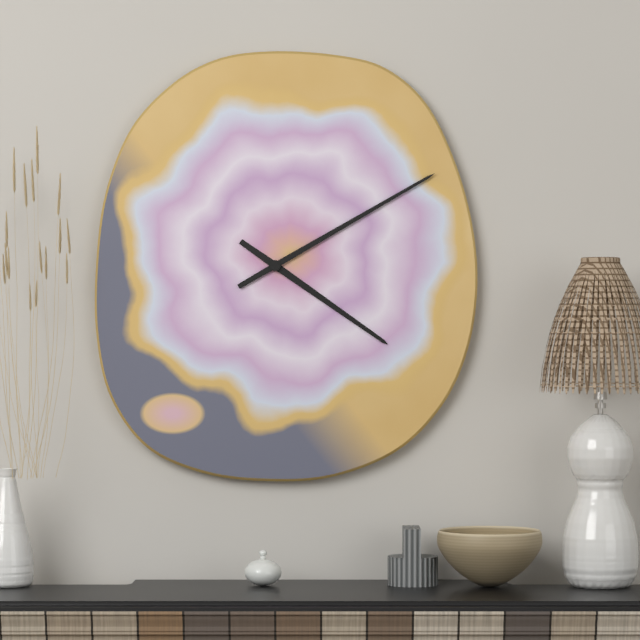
4:10
